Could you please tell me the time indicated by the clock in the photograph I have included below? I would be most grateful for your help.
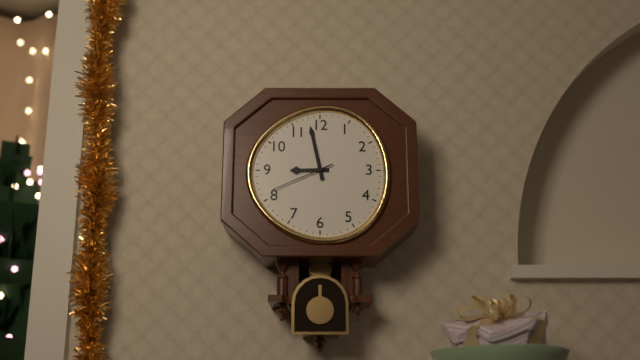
8:58:41
